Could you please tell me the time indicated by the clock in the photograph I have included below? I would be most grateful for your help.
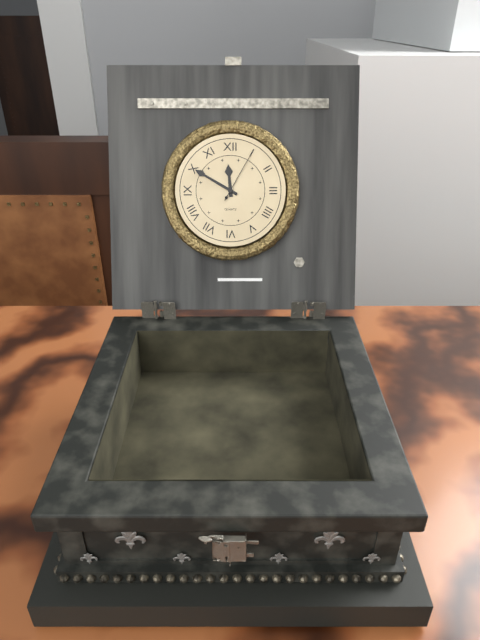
11:50:05
